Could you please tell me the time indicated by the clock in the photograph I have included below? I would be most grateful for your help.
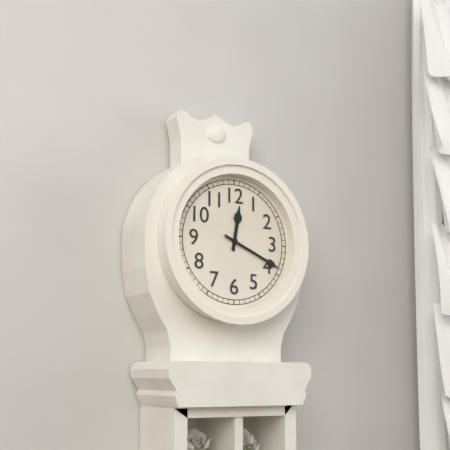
12:19
